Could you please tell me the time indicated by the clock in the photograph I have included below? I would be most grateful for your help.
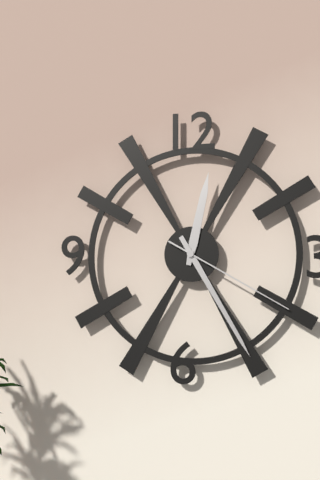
12:25:20
